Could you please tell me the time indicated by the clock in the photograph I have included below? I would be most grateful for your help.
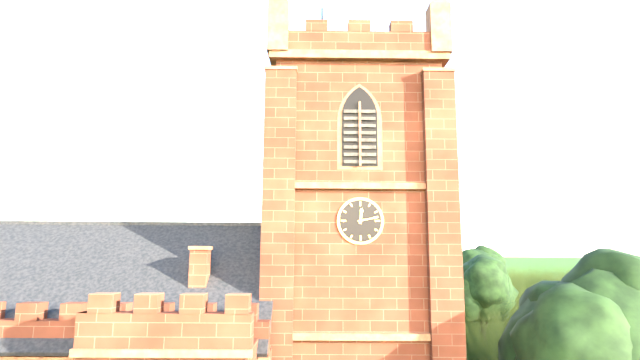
12:13
